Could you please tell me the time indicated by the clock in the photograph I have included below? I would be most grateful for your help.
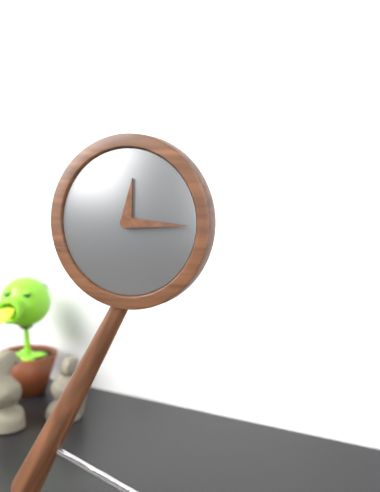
12:15
